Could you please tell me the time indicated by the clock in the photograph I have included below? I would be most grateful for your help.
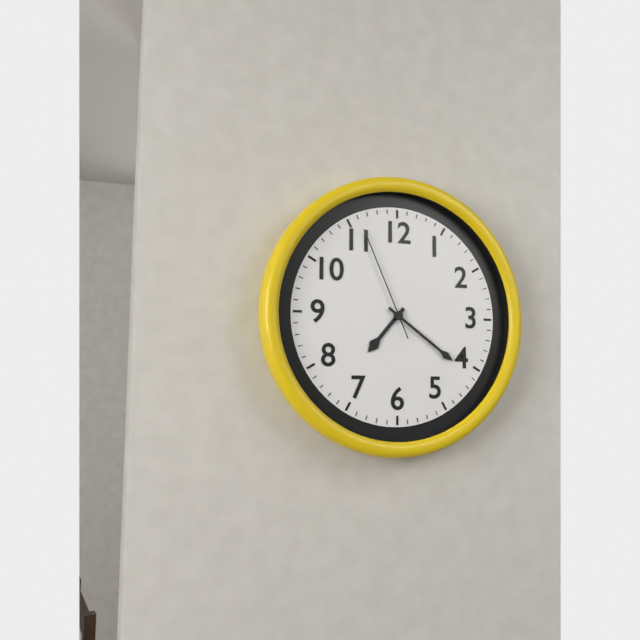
7:21:56
